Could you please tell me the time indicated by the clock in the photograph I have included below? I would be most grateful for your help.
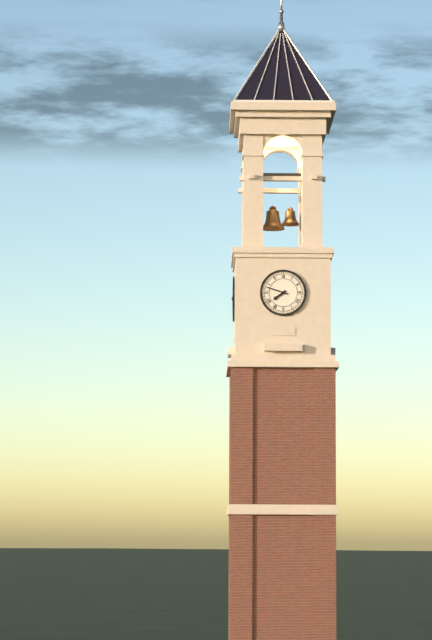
7:48
